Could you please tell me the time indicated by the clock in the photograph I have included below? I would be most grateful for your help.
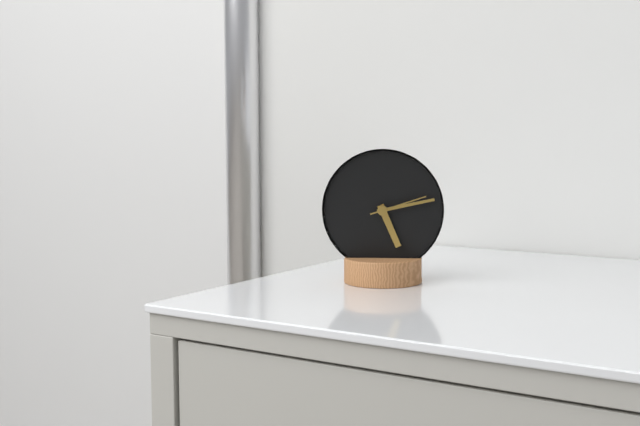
5:13:12
